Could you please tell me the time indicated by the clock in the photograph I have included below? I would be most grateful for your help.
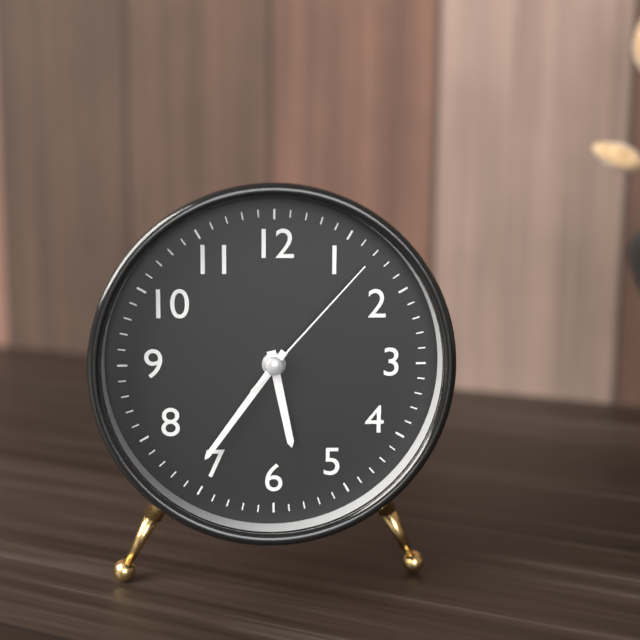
5:36:07
